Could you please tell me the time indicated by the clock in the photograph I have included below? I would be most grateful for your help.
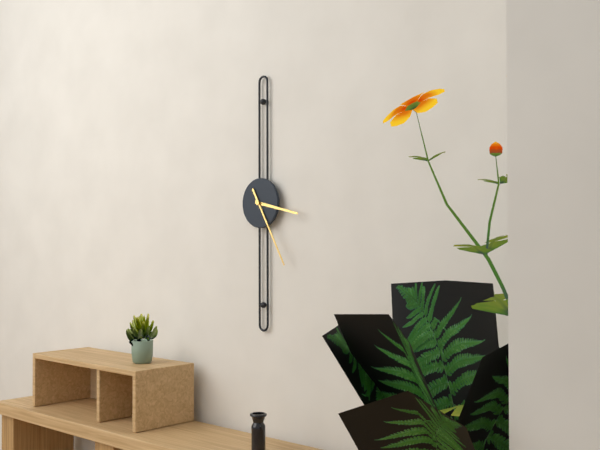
3:25
